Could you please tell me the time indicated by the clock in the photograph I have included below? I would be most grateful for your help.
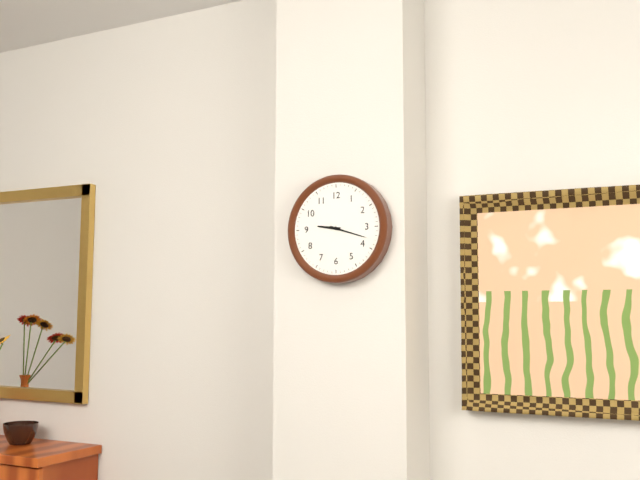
9:18
